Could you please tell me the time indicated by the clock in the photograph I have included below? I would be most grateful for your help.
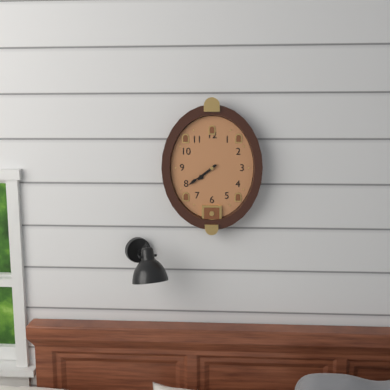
7:39
